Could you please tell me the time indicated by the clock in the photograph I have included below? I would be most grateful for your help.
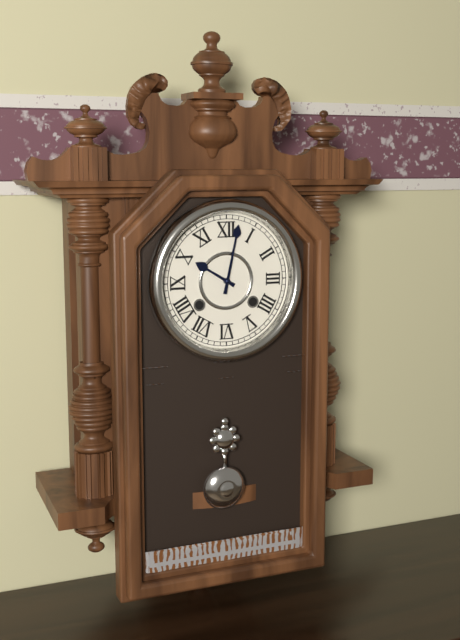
10:02
